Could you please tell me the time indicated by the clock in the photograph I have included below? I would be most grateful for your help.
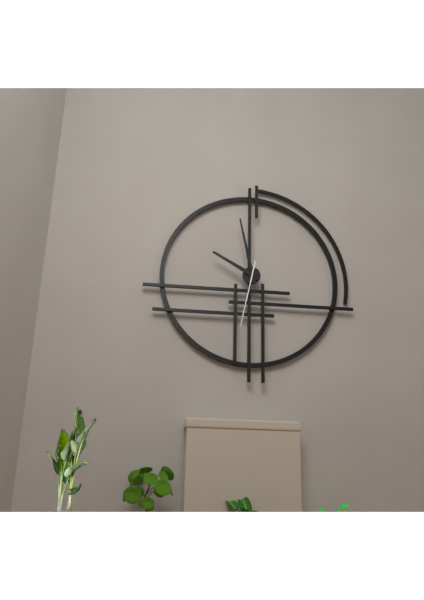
9:58:32
